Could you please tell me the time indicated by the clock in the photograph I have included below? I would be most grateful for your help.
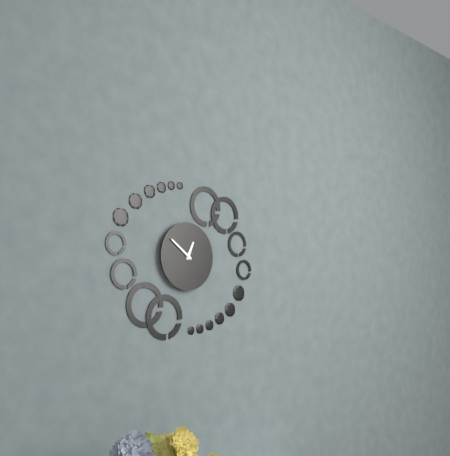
12:51
